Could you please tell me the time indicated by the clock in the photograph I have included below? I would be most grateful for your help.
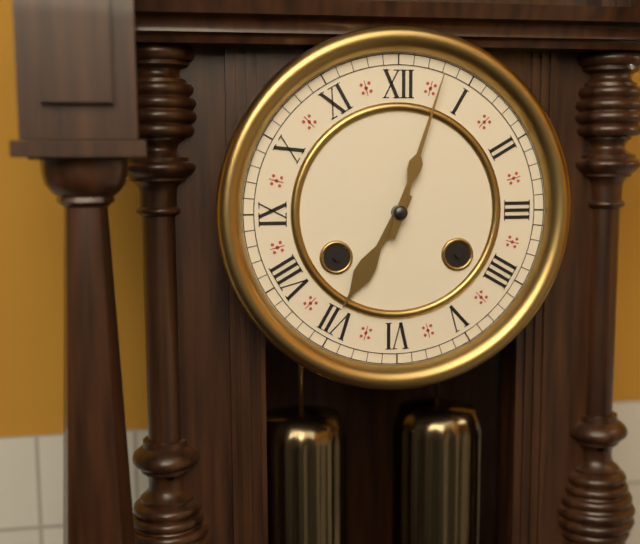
7:03
